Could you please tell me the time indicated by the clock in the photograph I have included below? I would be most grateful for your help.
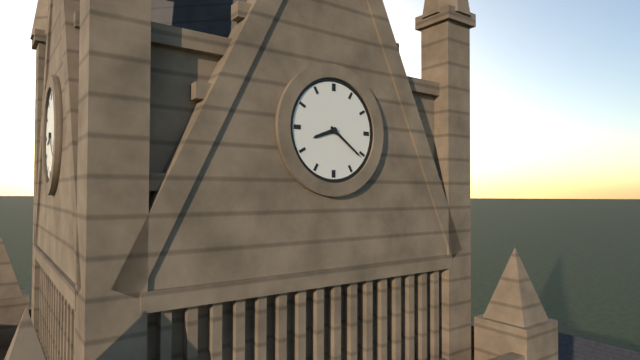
8:21
